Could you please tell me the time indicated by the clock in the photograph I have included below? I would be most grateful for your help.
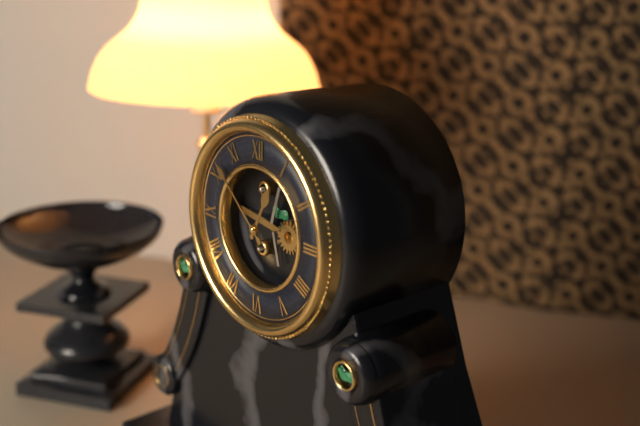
12:52
